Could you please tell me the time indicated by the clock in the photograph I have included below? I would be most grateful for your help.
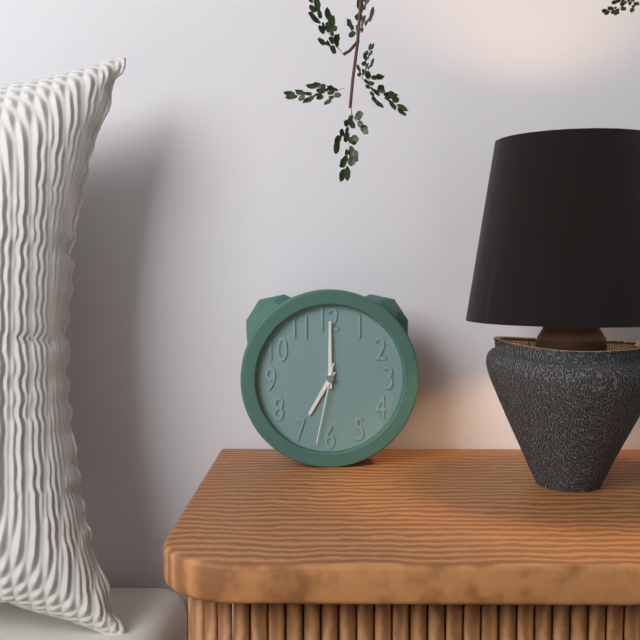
7:00:32
